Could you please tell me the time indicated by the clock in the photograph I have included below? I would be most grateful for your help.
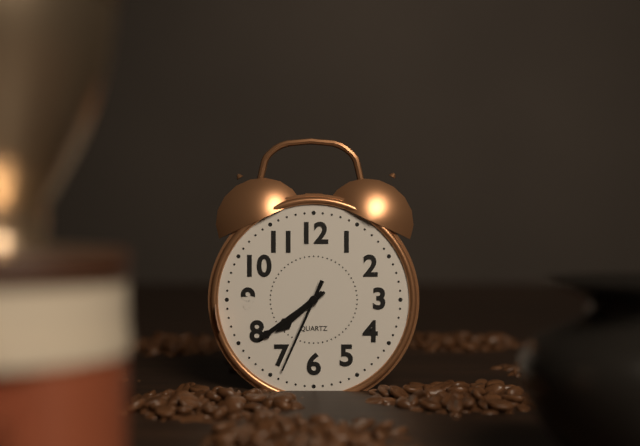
7:39:34
